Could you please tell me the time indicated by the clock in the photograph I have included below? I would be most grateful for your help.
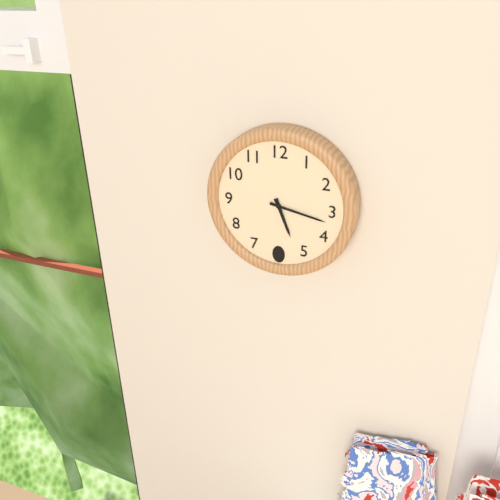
5:17
